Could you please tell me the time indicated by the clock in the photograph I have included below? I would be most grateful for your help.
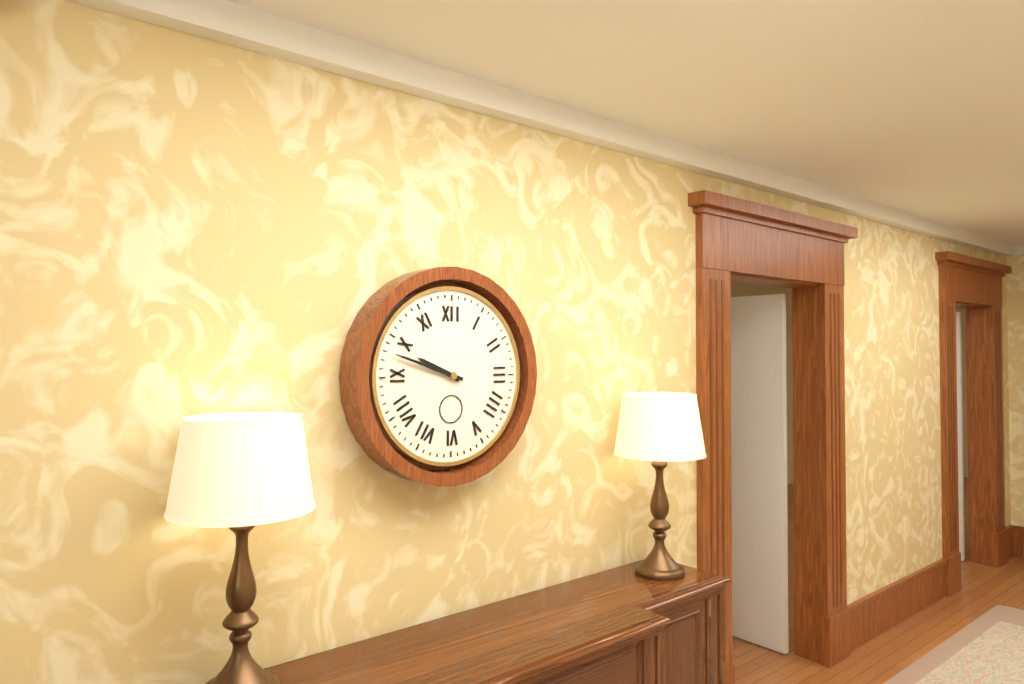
9:48
